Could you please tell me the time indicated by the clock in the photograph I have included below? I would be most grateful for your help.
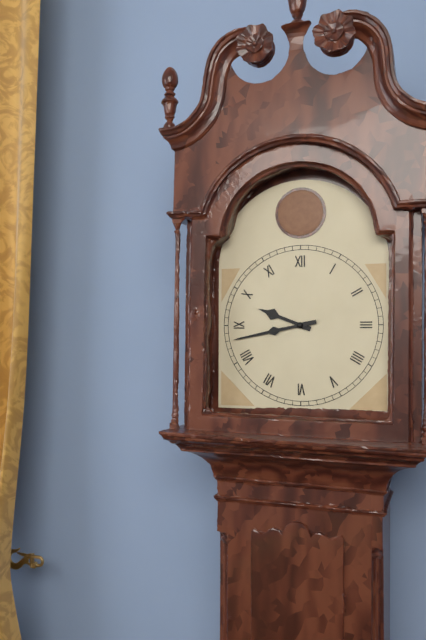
9:43
